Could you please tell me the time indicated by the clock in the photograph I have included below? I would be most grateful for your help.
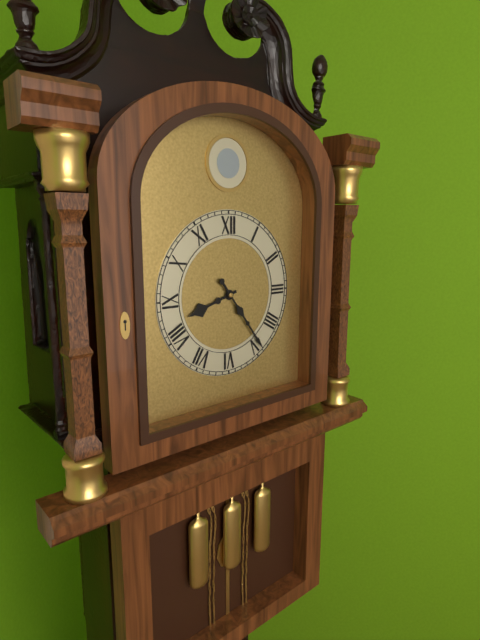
8:24
